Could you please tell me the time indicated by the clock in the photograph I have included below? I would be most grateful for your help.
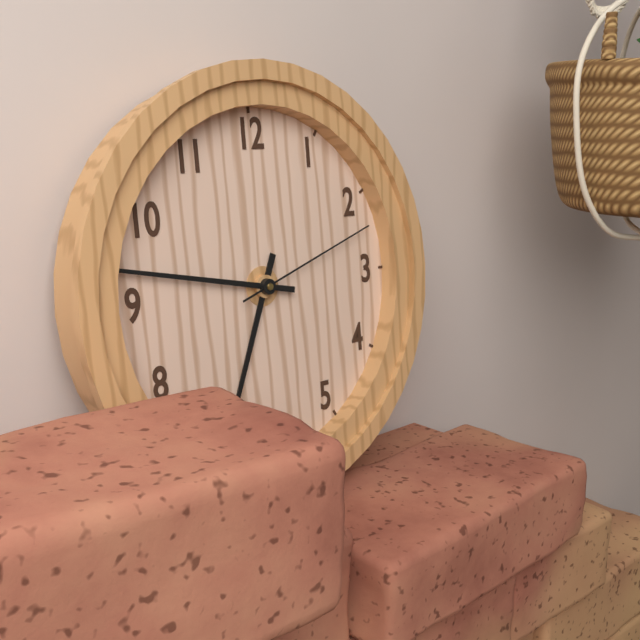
6:47:12
